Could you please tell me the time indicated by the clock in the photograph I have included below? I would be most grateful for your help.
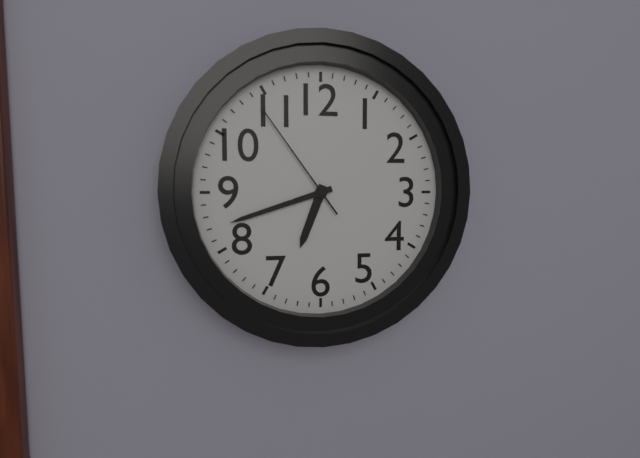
6:42:54
